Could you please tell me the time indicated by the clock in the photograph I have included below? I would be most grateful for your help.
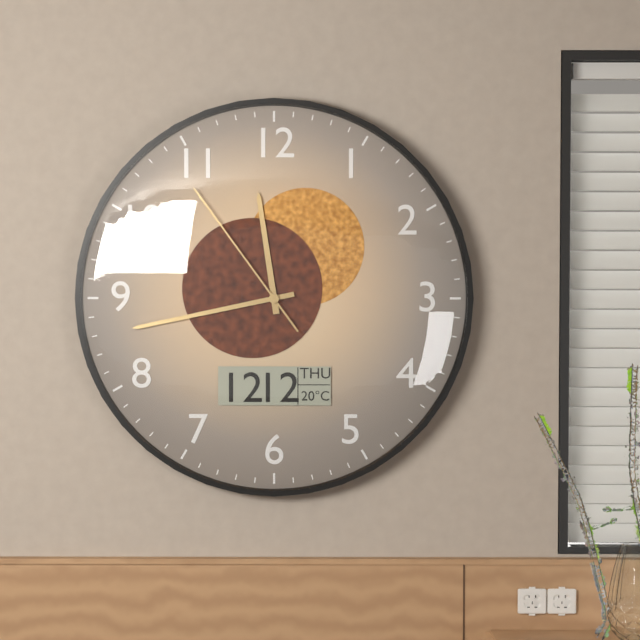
11:43:54
